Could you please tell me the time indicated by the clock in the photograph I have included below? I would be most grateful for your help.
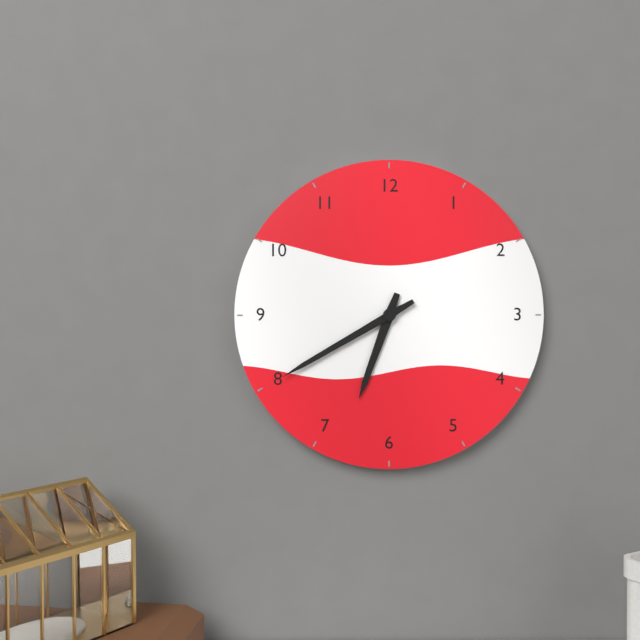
6:40
